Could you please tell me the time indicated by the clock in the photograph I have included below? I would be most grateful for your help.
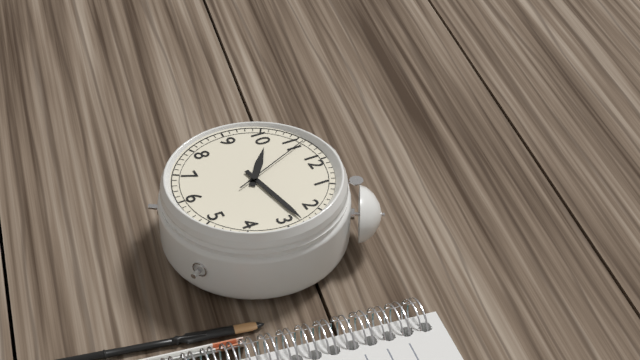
10:13:56
